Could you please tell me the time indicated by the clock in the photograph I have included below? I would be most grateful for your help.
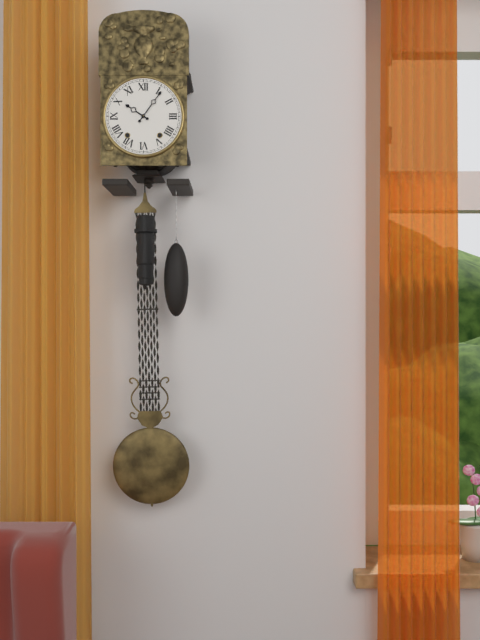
10:06
